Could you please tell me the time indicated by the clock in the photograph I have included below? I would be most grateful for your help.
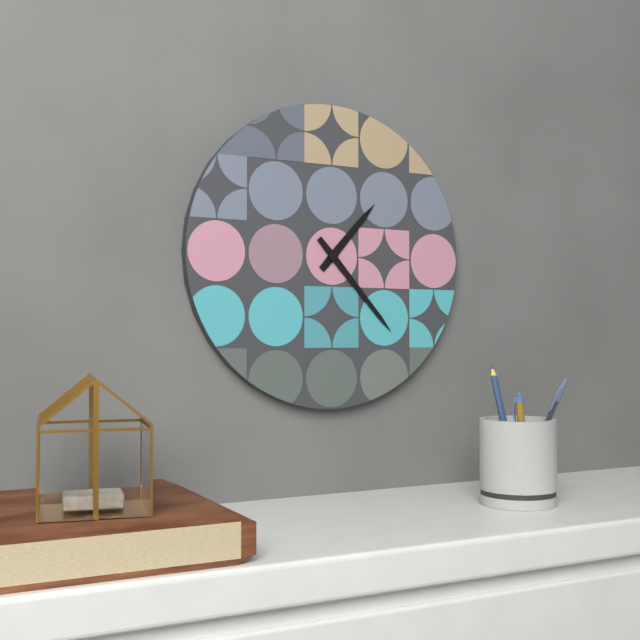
1:23
